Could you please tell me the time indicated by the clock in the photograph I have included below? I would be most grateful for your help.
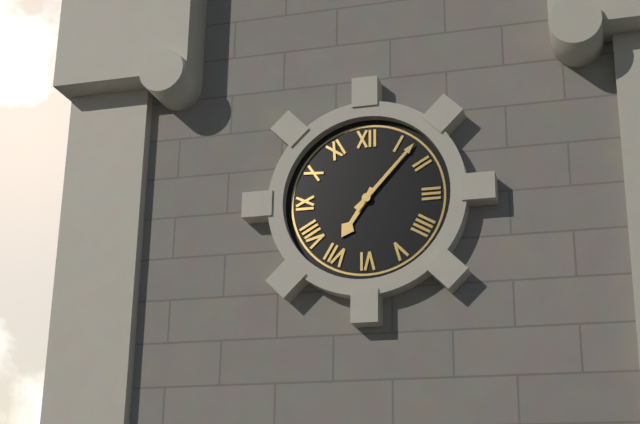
7:07
